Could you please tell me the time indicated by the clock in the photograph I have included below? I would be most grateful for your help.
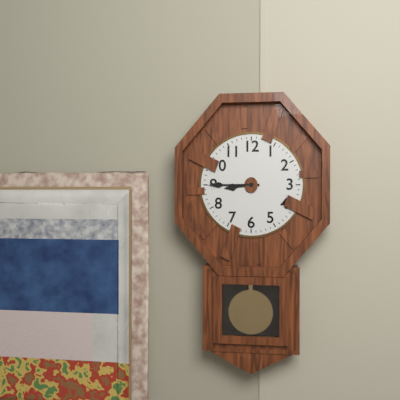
8:45
